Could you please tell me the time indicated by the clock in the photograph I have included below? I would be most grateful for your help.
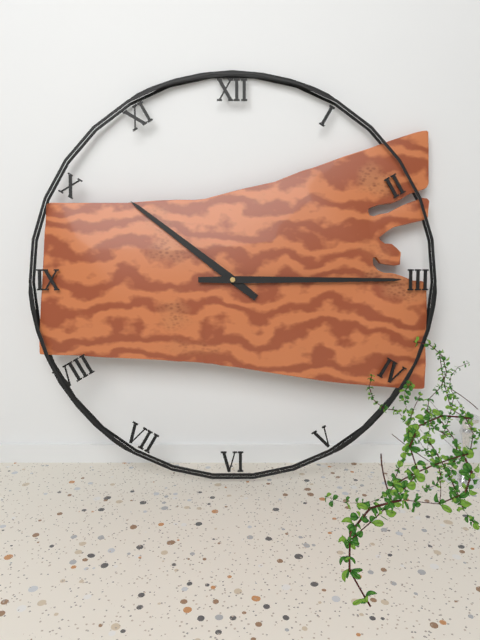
10:15
